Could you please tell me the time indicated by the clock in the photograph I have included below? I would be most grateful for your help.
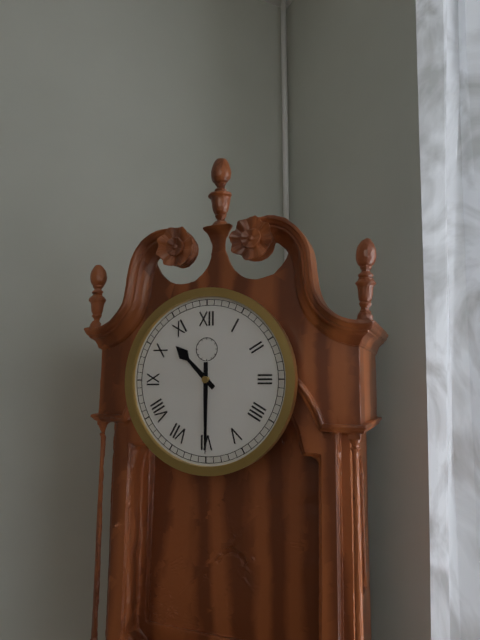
10:30
